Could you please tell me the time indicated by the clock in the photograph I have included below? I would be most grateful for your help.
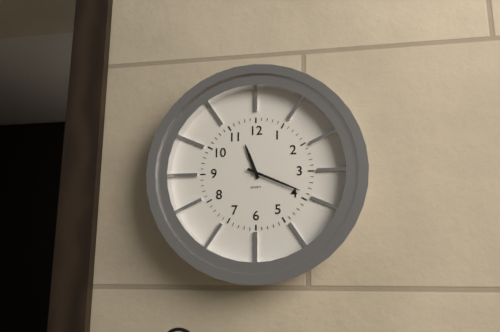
11:19
